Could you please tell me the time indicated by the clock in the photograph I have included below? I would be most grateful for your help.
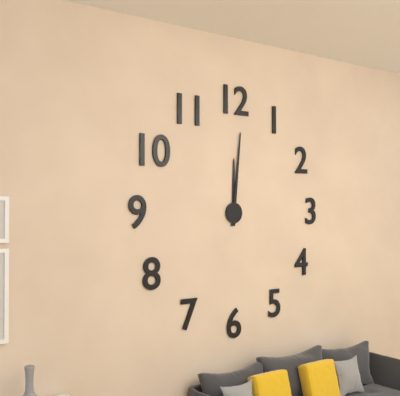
12:01
